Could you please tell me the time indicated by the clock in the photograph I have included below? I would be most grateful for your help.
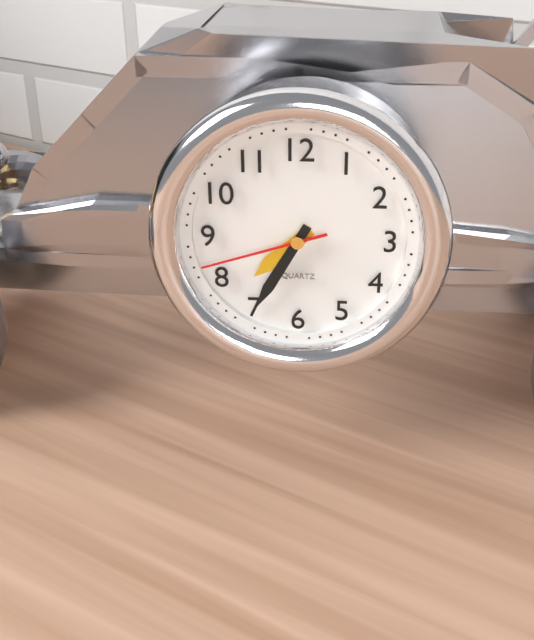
7:35:42
